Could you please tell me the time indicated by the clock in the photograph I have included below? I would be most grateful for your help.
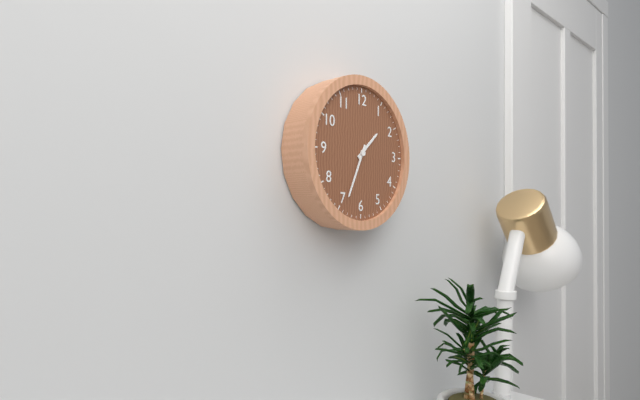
1:34
